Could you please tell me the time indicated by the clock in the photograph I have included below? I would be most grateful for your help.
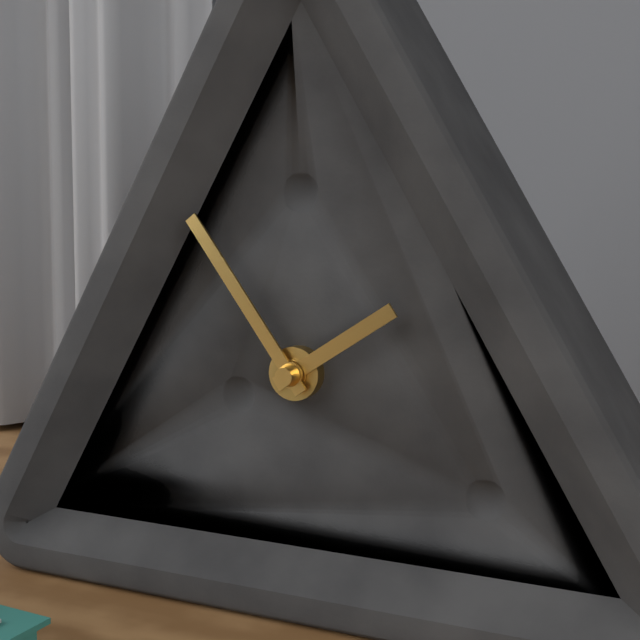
1:54
